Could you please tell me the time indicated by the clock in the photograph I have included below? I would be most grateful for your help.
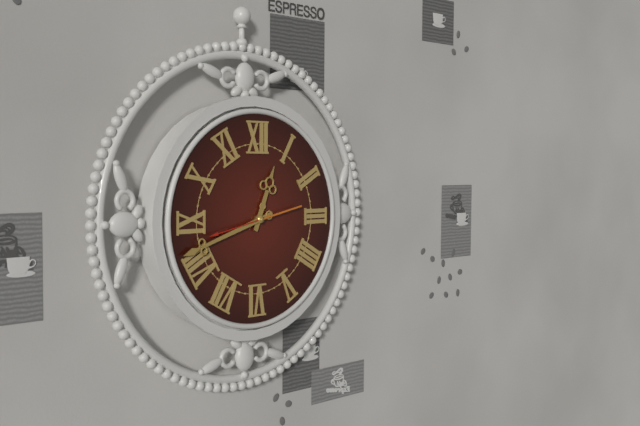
12:42
